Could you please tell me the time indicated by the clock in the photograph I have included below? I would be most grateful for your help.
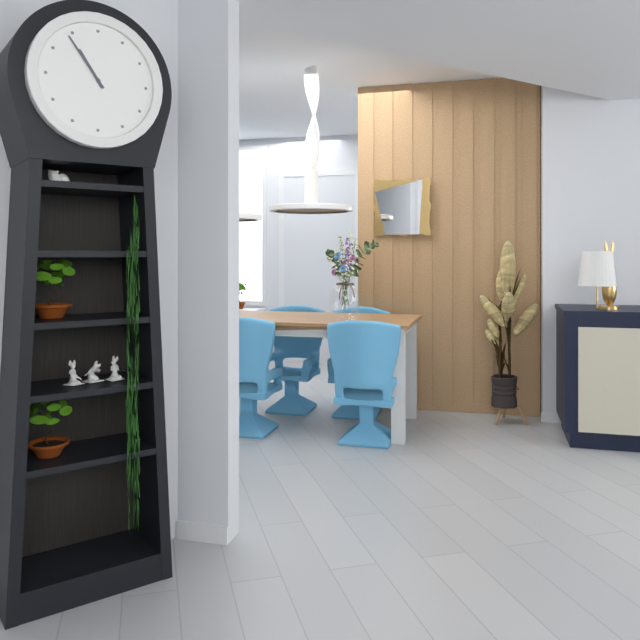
10:54
